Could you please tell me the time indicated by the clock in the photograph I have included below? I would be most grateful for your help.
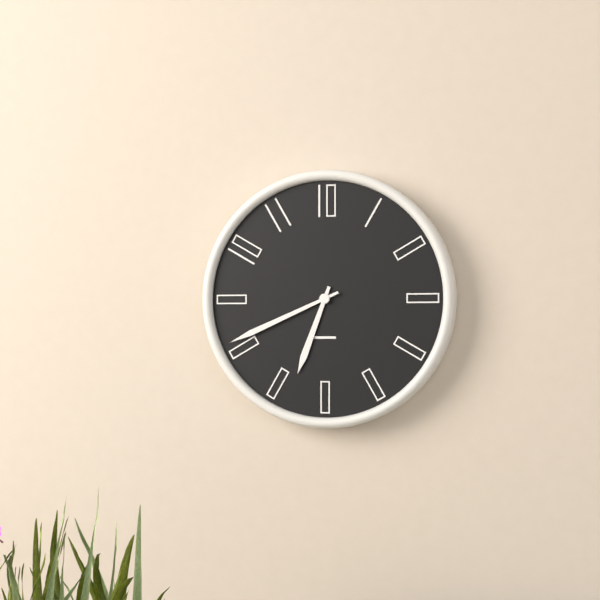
6:41
